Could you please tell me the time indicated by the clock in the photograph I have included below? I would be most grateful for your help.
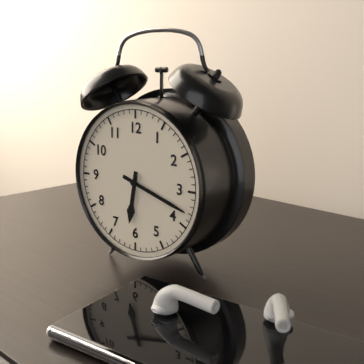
6:18
